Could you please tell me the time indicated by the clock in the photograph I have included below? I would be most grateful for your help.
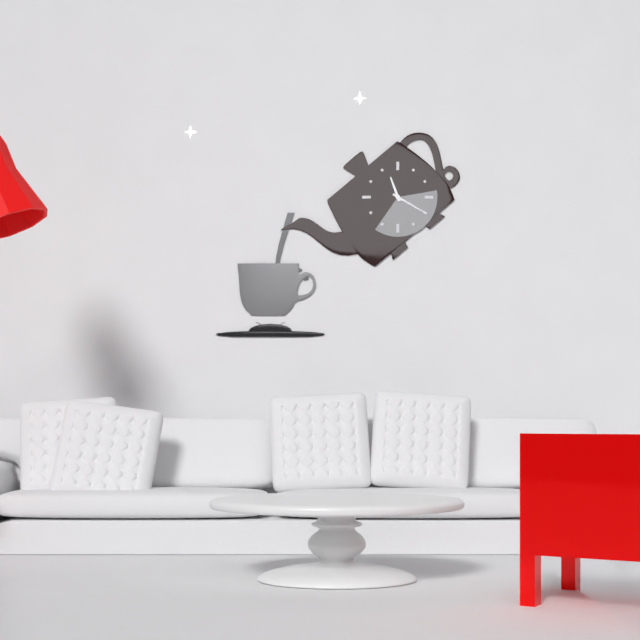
11:20
